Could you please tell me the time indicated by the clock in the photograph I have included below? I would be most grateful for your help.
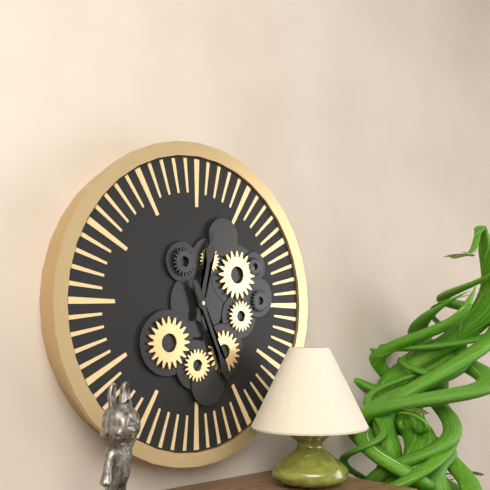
12:26
